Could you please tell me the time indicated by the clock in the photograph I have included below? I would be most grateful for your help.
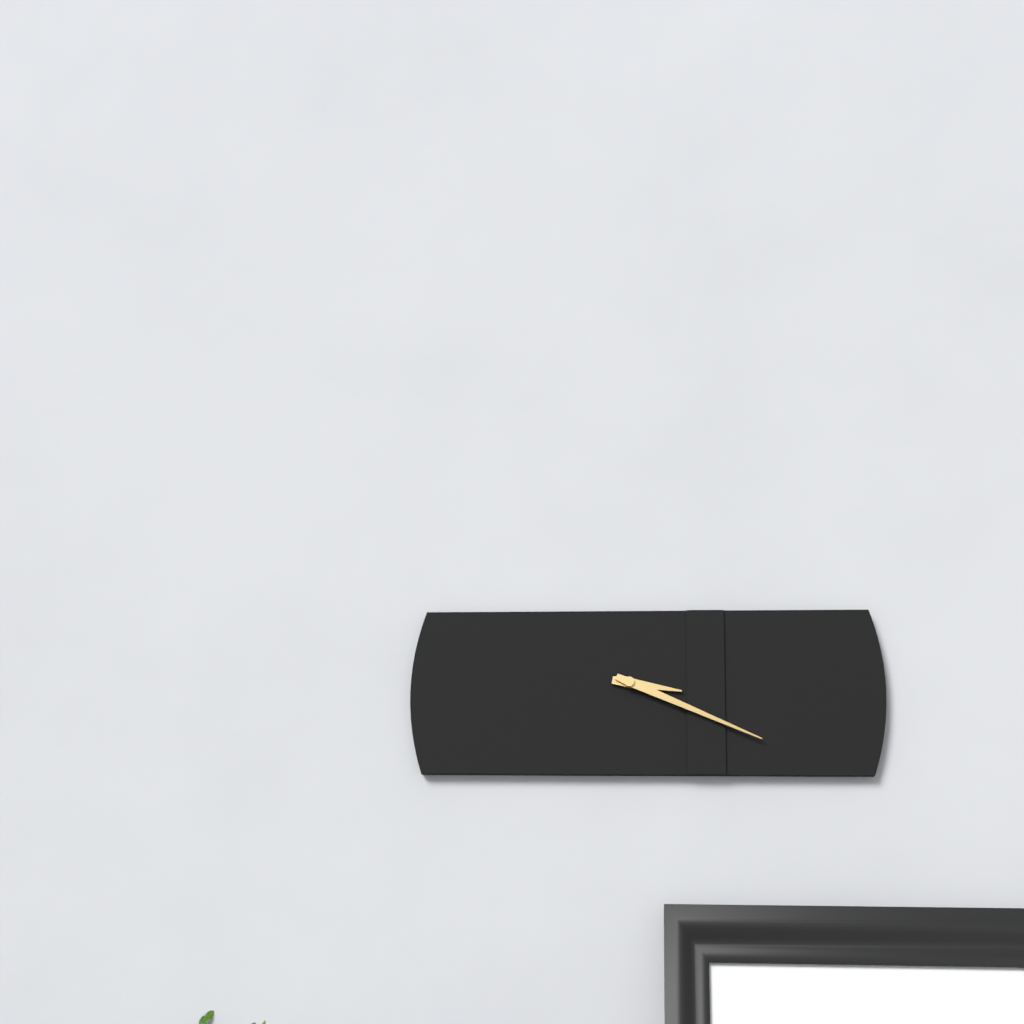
3:19
